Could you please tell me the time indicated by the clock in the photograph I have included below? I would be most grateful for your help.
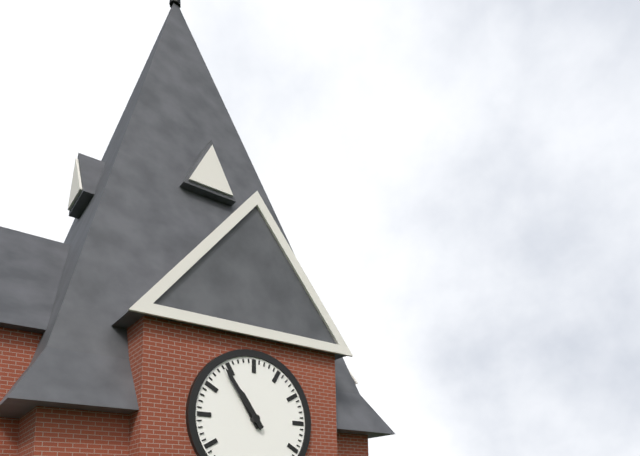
10:54
